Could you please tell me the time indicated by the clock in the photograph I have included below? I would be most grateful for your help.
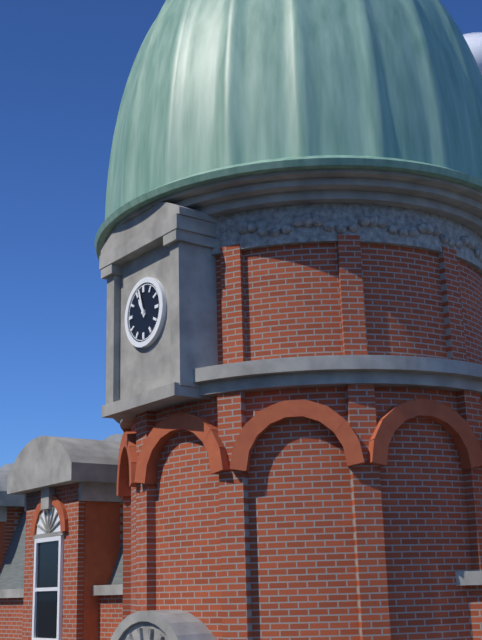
10:57
